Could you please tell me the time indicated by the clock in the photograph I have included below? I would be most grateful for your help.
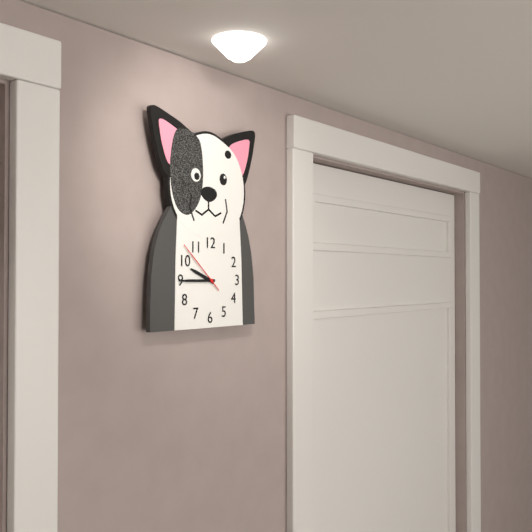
9:45
